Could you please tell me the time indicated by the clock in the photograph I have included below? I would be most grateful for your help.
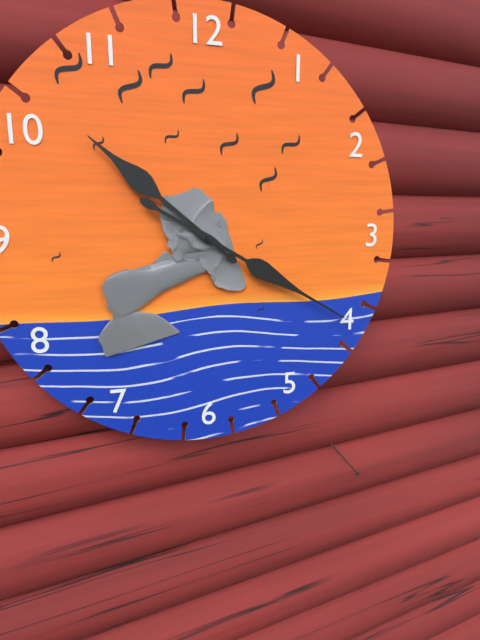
10:20
